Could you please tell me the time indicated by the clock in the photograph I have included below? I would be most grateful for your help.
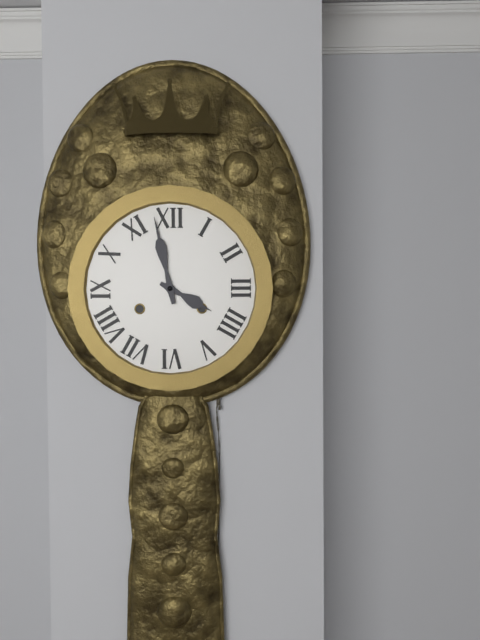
3:58
